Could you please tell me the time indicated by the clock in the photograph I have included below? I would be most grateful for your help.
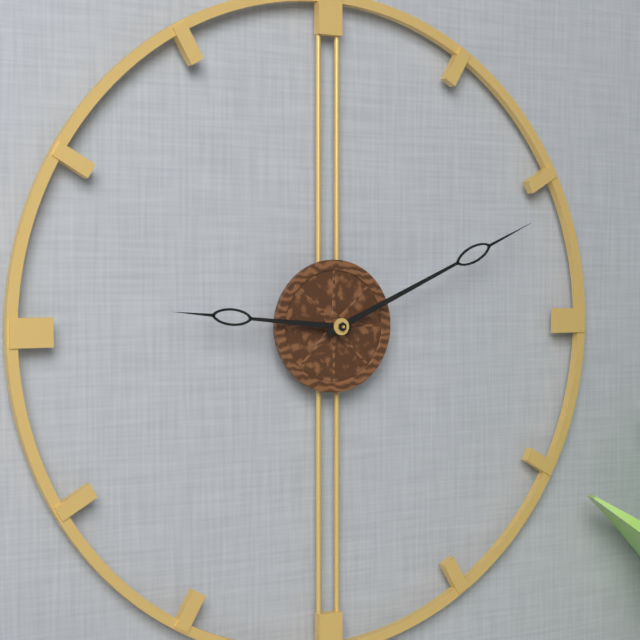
9:11
